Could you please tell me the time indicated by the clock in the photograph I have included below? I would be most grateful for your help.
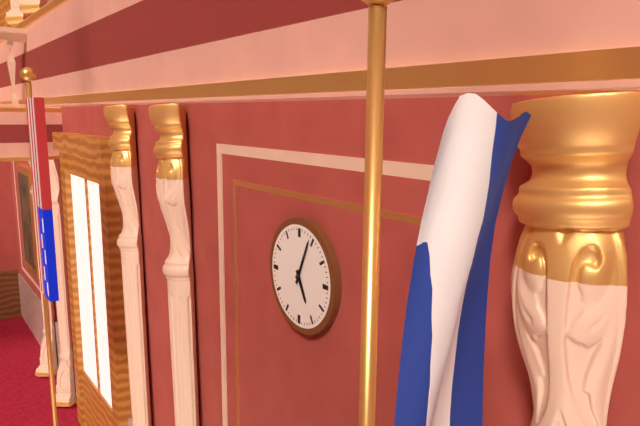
5:04
